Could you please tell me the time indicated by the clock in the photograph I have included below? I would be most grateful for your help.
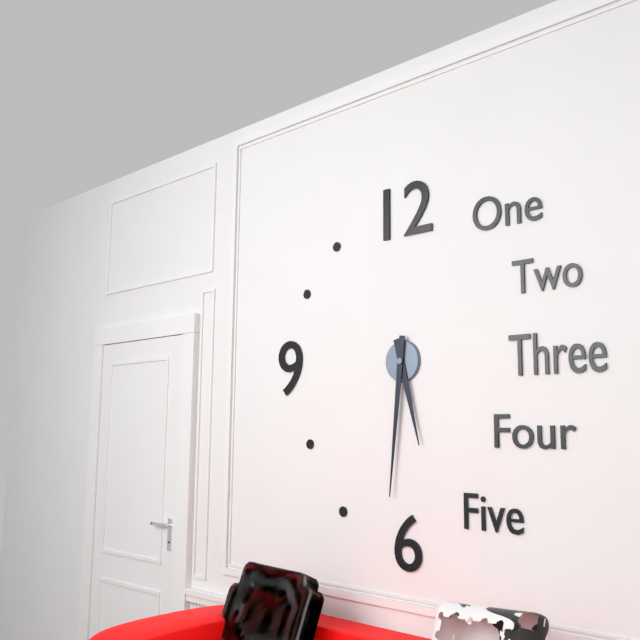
5:31
